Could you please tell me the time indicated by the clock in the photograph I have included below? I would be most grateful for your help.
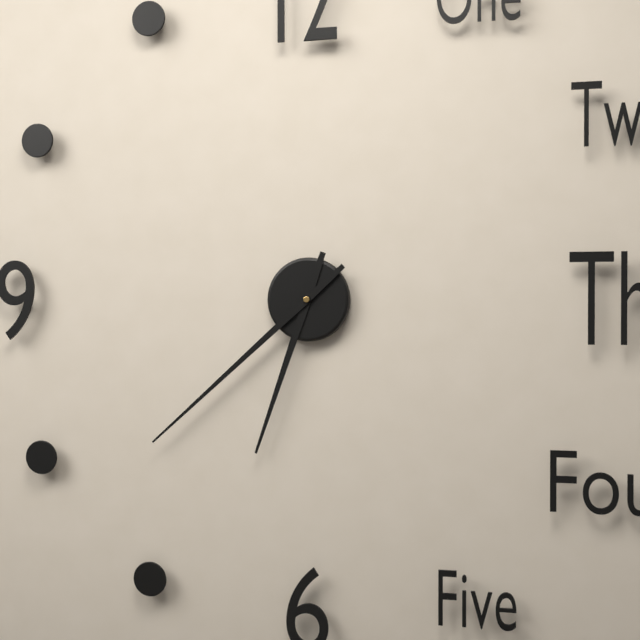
6:38
